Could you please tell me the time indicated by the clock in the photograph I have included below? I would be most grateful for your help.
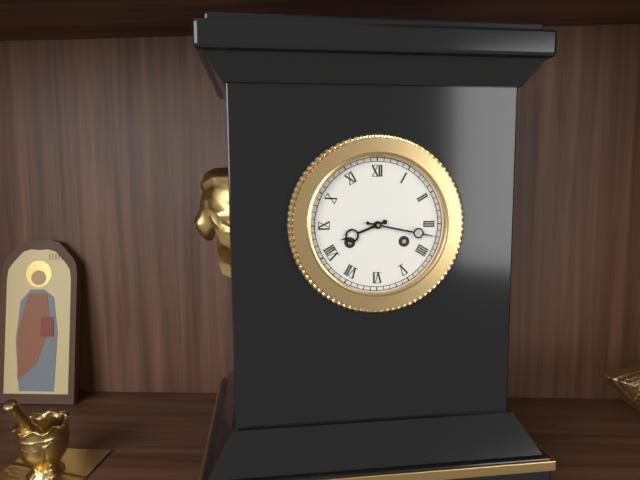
8:17
